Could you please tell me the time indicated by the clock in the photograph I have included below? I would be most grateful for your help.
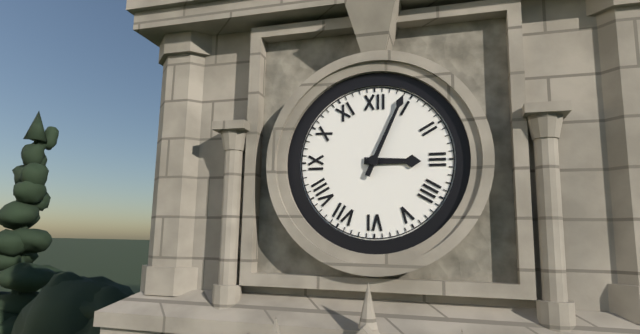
3:04
